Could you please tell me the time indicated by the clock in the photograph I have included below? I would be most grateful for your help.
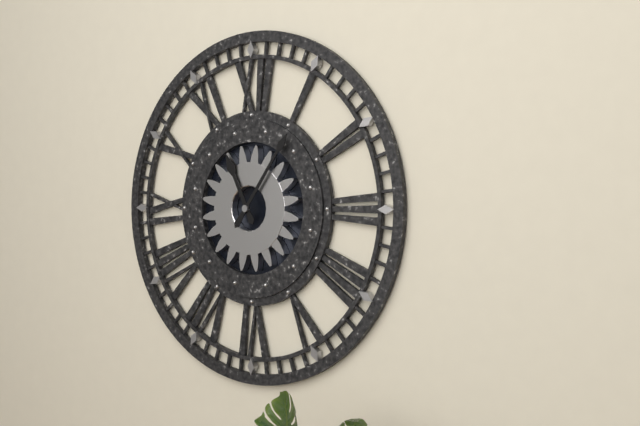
11:06
